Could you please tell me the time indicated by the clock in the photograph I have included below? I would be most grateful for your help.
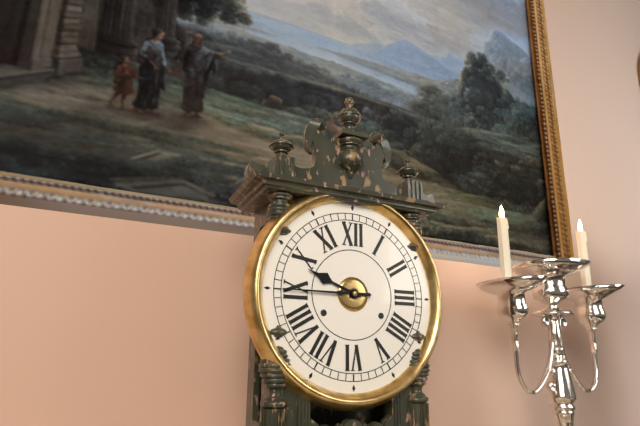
9:45
